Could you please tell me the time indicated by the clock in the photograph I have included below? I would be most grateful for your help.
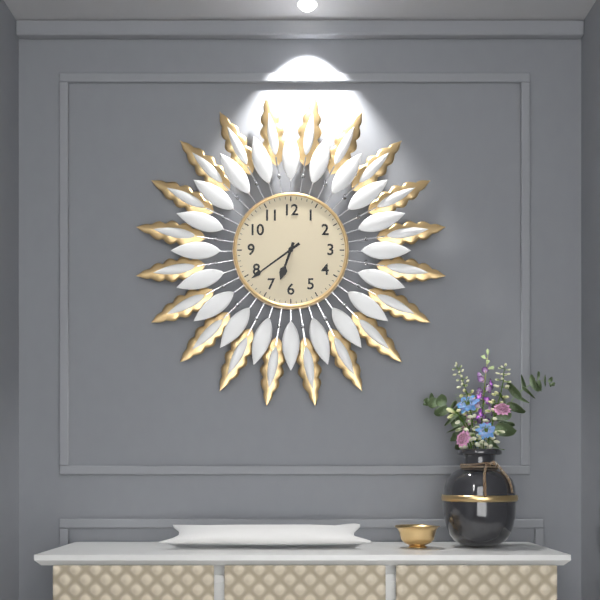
6:39
